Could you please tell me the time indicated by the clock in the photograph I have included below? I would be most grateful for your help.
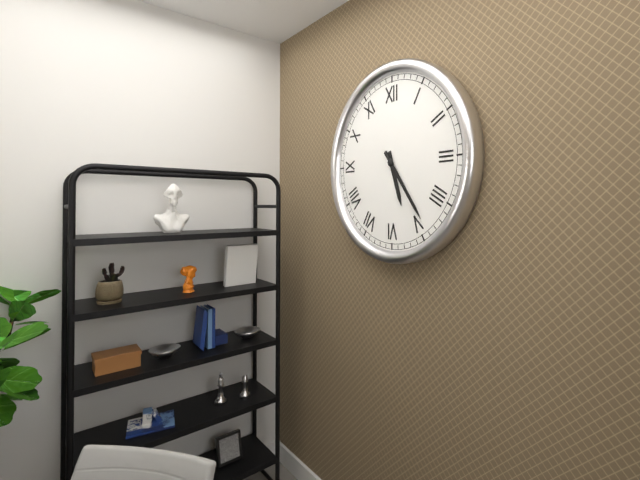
5:24
